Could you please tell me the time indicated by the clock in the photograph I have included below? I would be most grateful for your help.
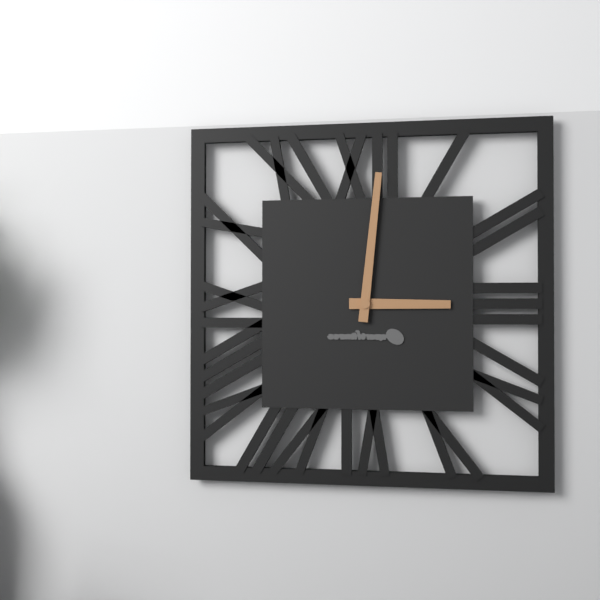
3:01
